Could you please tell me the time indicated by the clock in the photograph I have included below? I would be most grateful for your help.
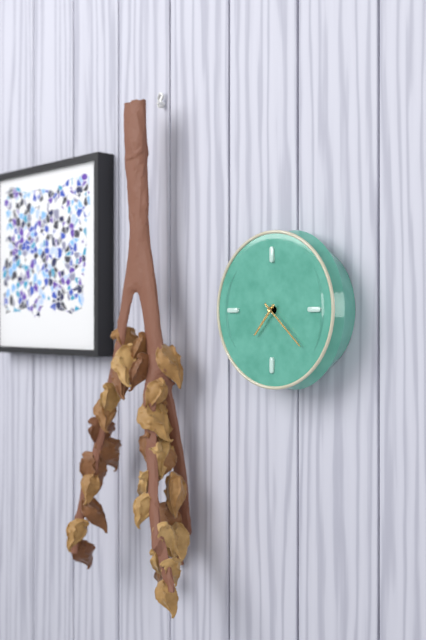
7:22
